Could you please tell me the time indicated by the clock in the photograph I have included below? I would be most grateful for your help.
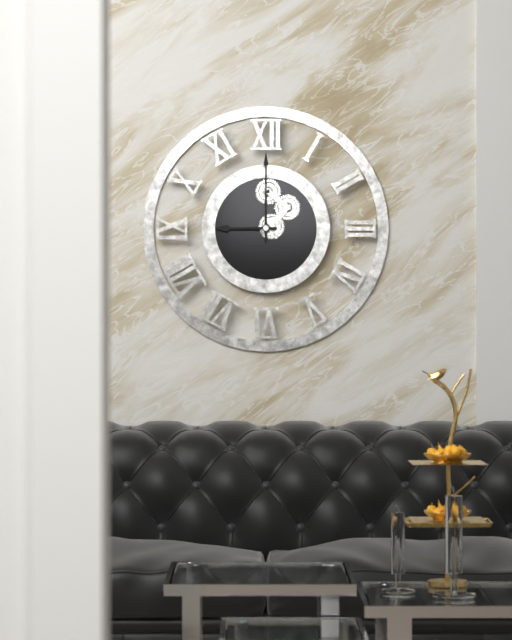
9:00
